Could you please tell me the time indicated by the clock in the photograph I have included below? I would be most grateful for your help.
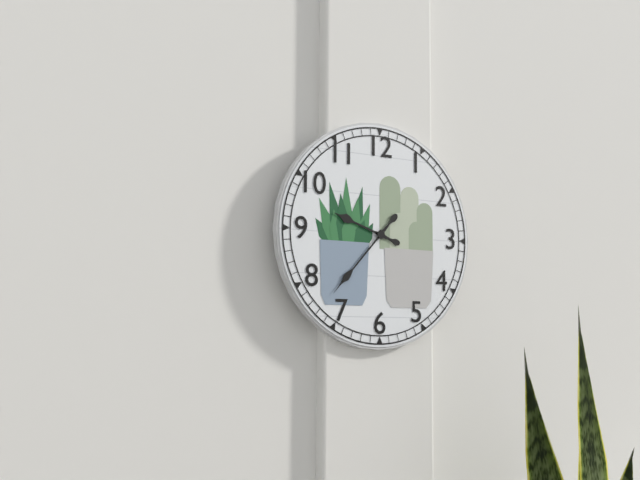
9:37
